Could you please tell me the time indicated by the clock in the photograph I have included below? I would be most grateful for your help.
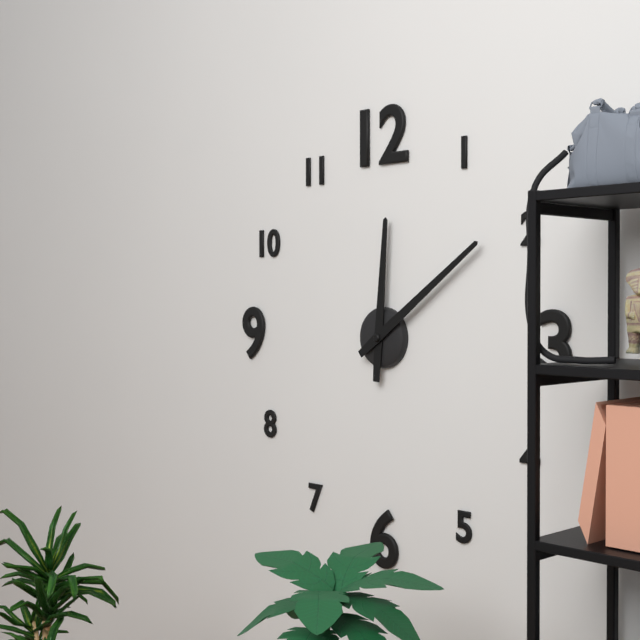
12:09
